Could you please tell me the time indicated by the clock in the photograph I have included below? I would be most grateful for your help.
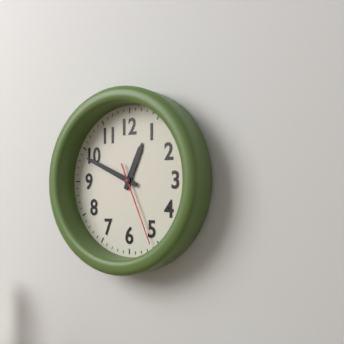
12:49:26
